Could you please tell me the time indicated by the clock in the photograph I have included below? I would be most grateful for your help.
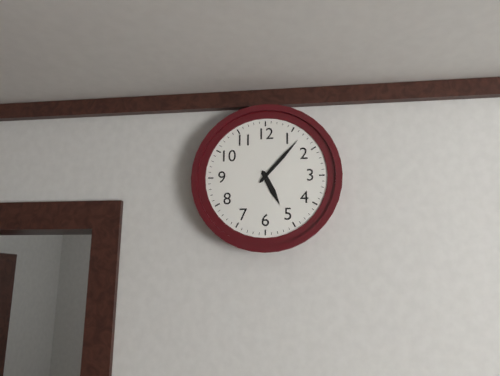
5:07
